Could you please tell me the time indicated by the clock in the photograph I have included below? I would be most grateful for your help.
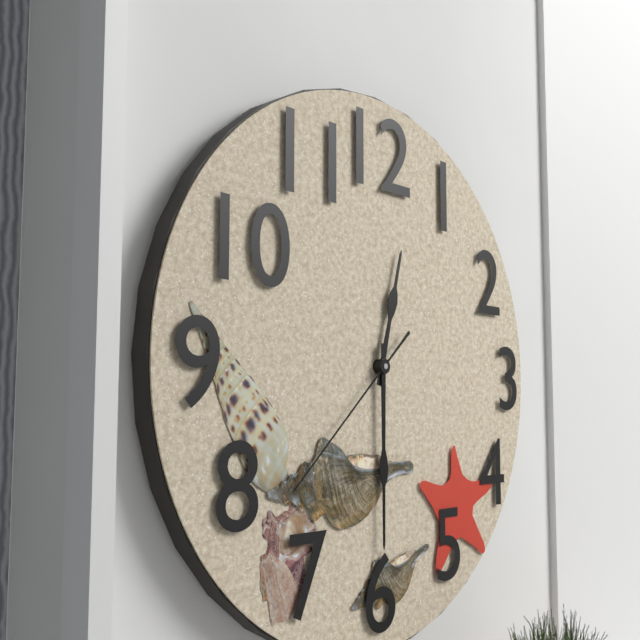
12:30:38
